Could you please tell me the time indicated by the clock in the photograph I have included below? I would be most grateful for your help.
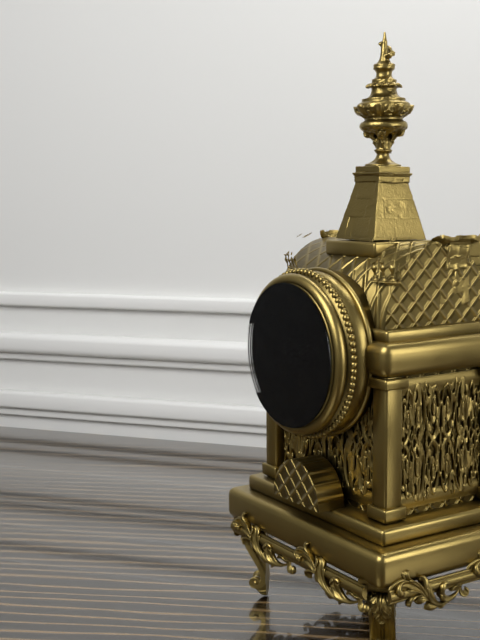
1:35
